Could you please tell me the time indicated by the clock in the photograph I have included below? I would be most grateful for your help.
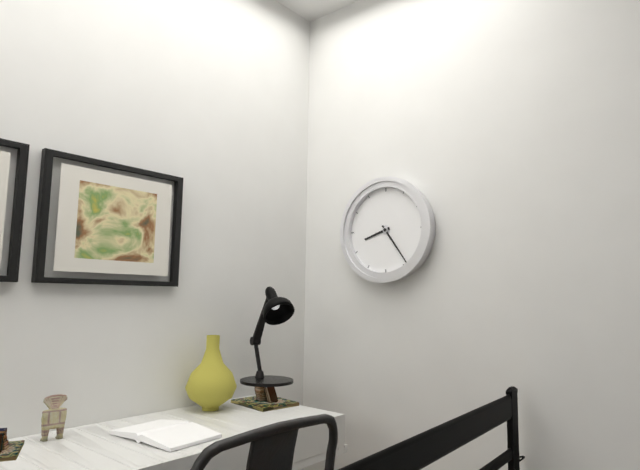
8:24
